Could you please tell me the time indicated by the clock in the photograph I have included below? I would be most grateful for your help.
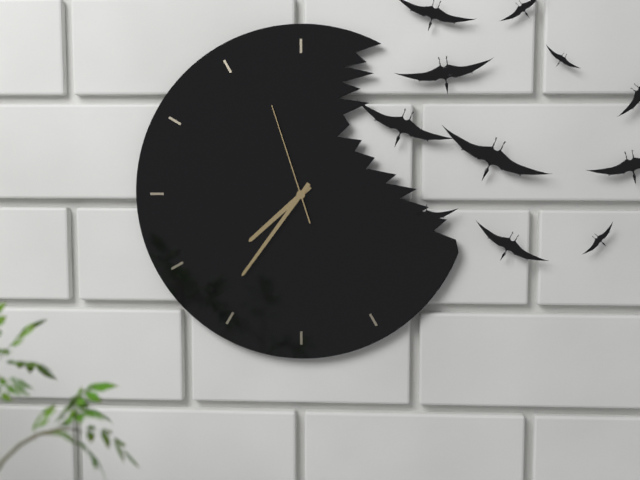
7:36:57
